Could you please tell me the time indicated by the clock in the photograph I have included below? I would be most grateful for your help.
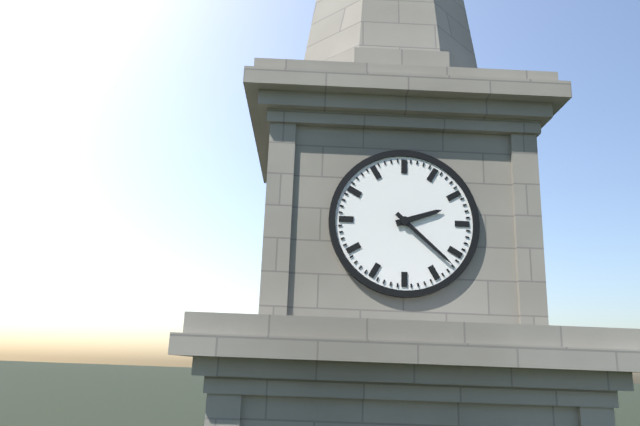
2:22
